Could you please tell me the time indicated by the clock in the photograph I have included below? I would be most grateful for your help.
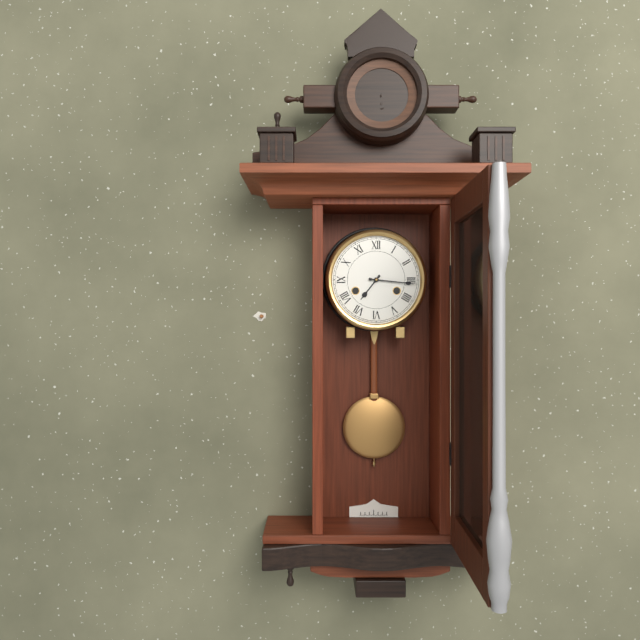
7:16
